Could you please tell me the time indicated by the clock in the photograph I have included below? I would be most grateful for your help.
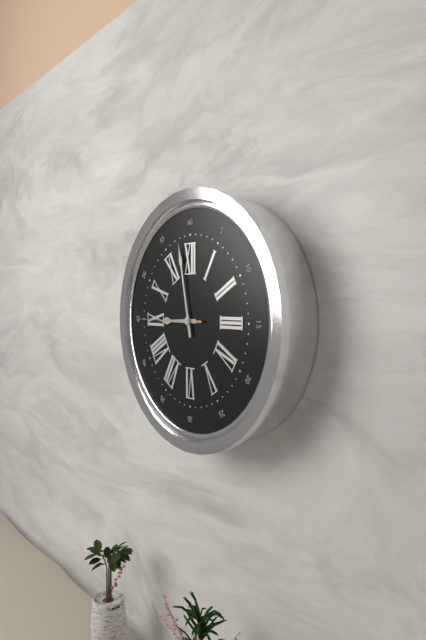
8:58:45
